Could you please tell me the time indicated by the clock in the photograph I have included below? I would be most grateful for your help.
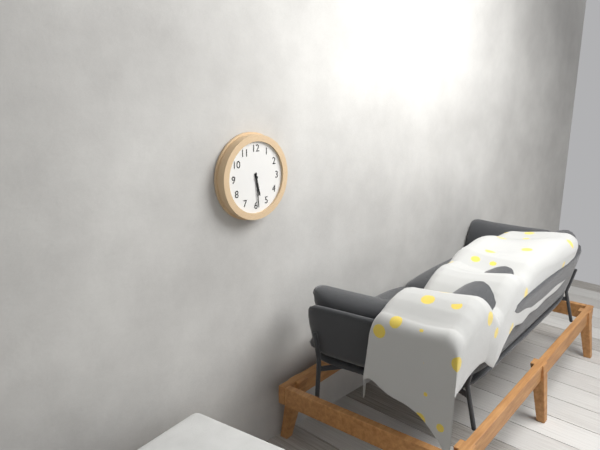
5:29
